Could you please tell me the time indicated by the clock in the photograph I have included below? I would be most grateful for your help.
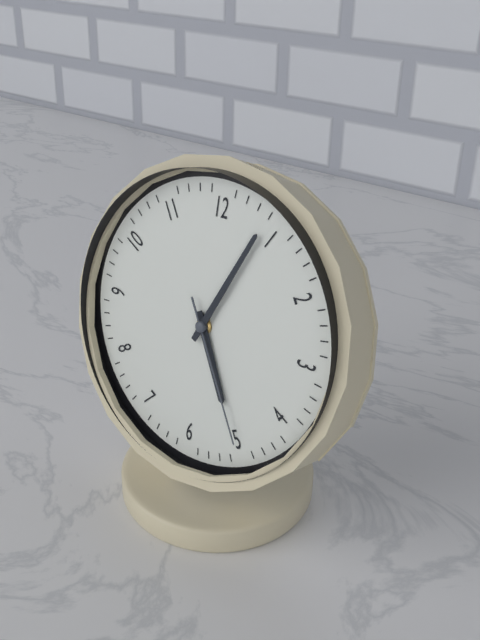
5:04:25
